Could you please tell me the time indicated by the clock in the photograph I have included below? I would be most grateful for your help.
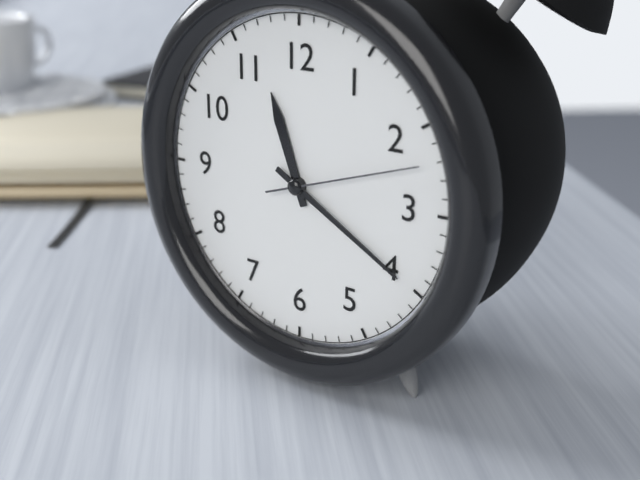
11:20:12
